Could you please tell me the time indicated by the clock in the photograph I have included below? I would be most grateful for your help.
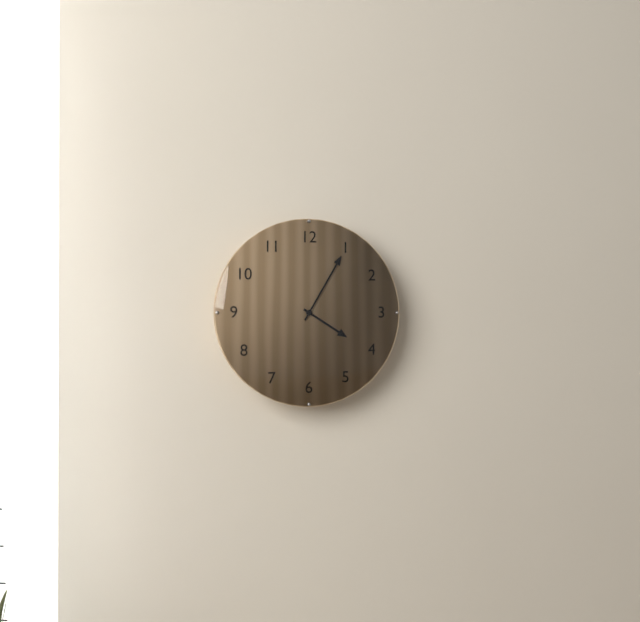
4:05
